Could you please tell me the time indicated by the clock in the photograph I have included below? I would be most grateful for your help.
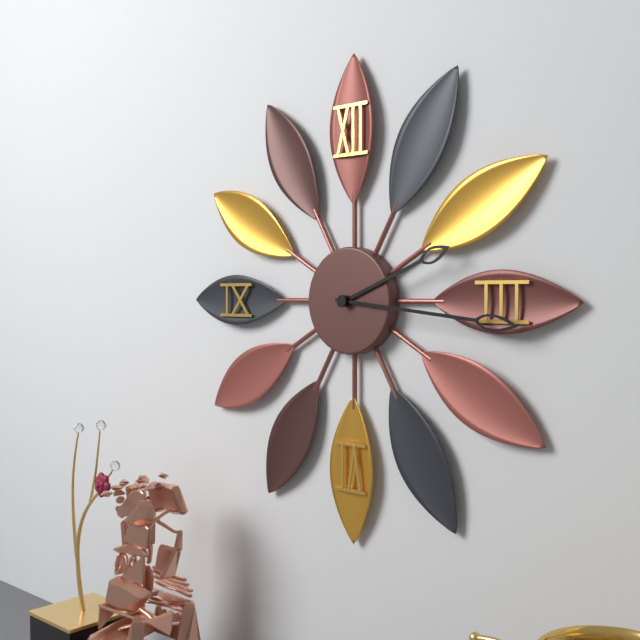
2:16
